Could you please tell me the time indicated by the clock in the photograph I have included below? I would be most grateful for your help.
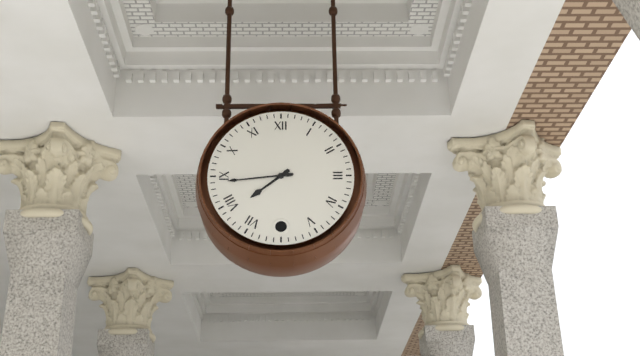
7:44
